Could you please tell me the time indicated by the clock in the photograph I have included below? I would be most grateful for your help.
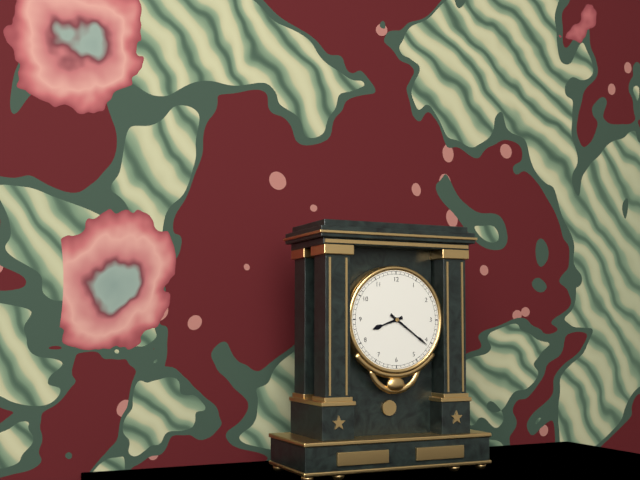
8:21
